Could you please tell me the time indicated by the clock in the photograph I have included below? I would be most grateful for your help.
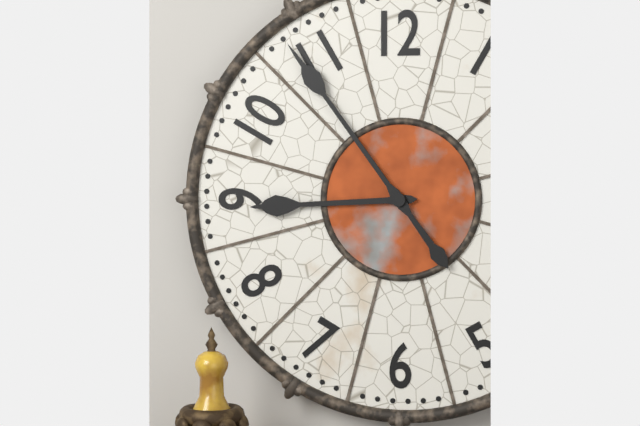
8:54
